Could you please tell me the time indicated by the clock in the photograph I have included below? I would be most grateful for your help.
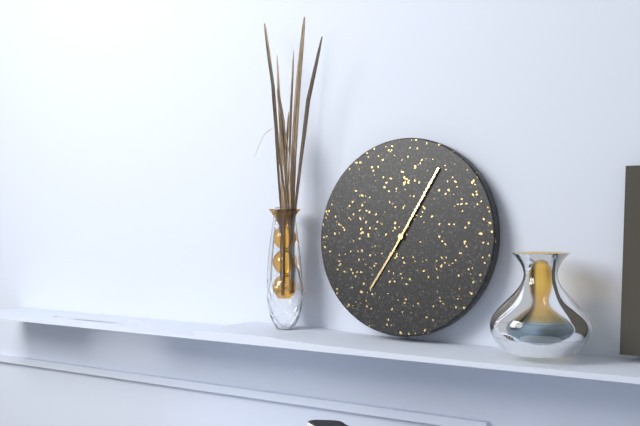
7:05
